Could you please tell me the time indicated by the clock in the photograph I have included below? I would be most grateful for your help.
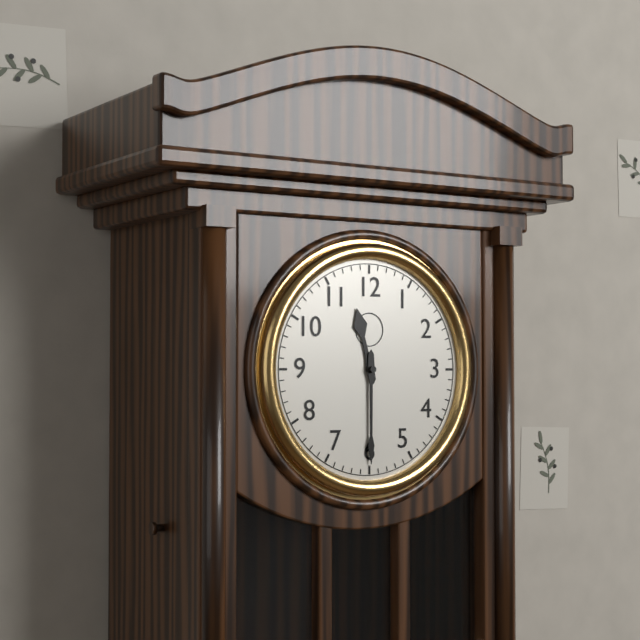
11:30
